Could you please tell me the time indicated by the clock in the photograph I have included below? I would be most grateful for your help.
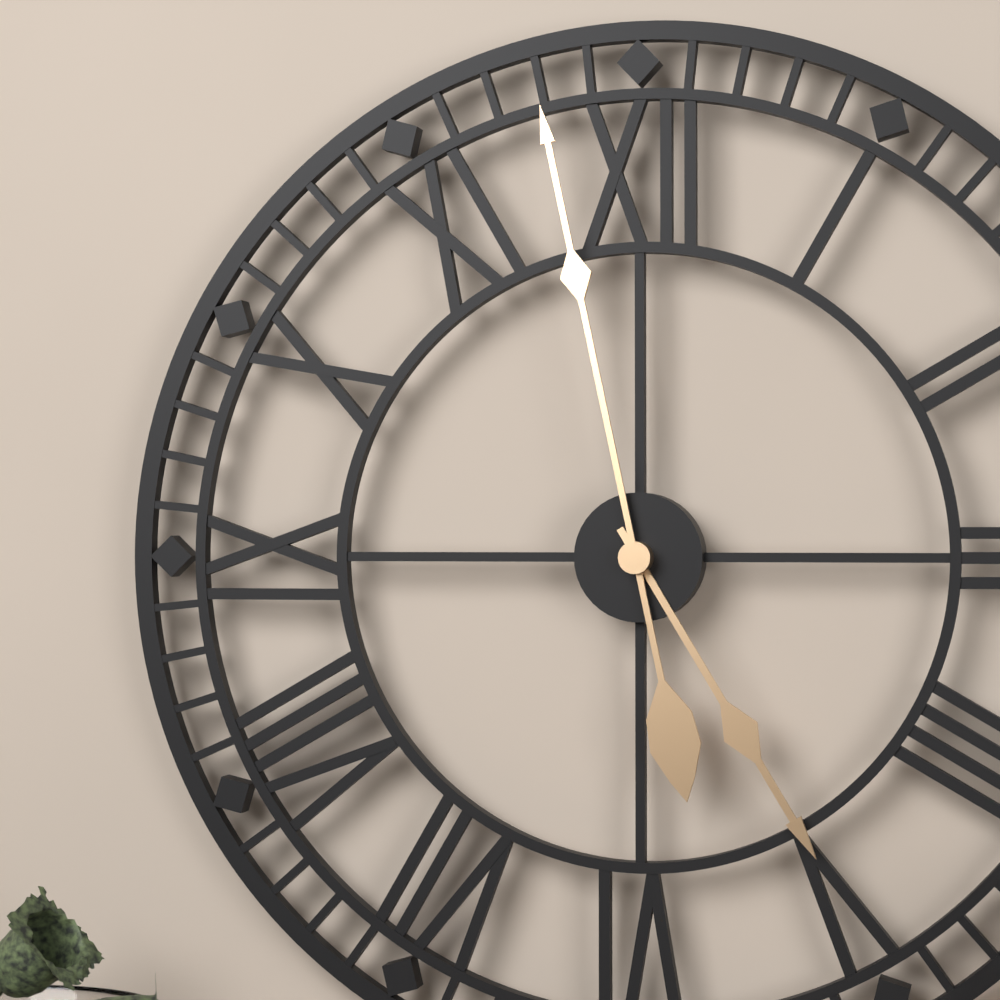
4:58
